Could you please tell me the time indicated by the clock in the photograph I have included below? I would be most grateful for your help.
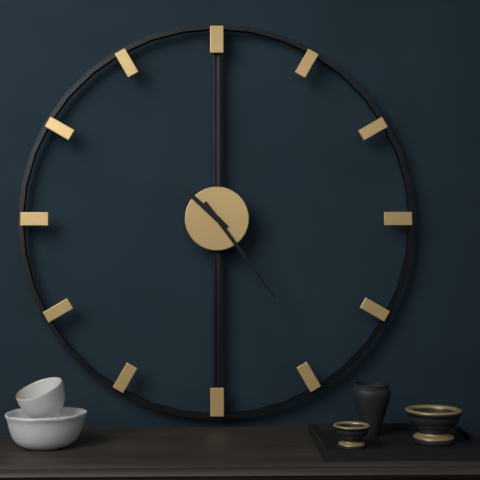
10:24
